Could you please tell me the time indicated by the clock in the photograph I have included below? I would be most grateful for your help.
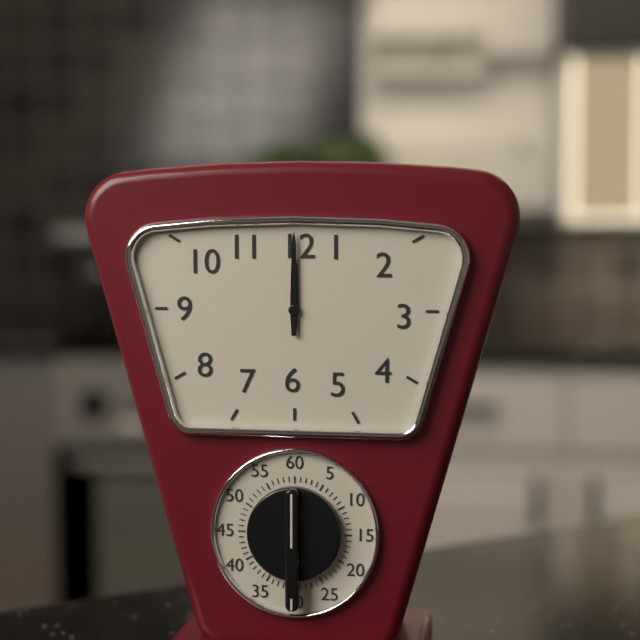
12:00
